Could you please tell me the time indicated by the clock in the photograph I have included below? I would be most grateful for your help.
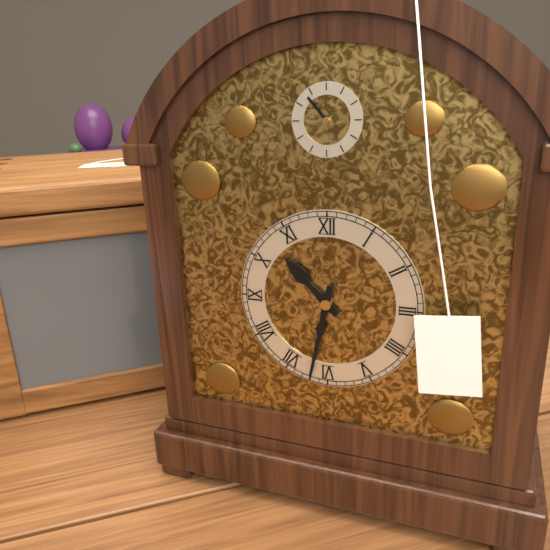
10:32
